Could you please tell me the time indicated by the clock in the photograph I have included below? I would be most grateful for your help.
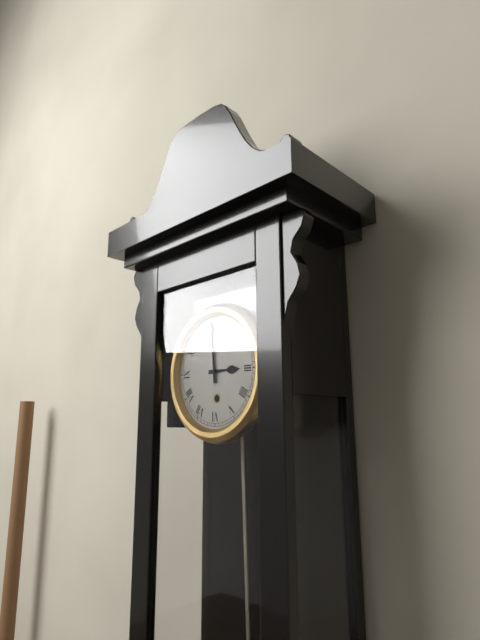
2:59
